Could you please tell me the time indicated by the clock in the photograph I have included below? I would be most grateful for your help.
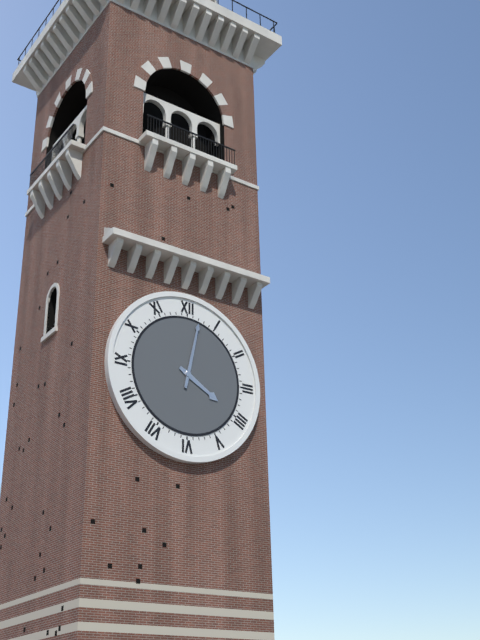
4:02
